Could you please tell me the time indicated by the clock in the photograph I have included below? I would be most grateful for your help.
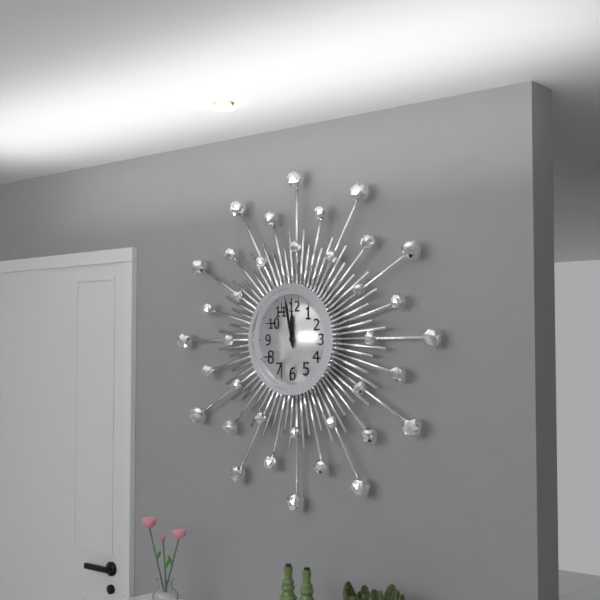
11:58
